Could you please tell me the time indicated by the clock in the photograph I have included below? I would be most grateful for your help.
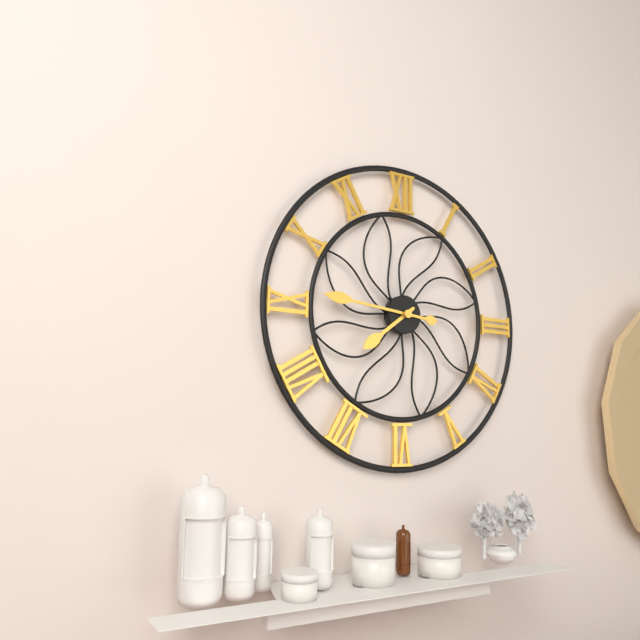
7:46
